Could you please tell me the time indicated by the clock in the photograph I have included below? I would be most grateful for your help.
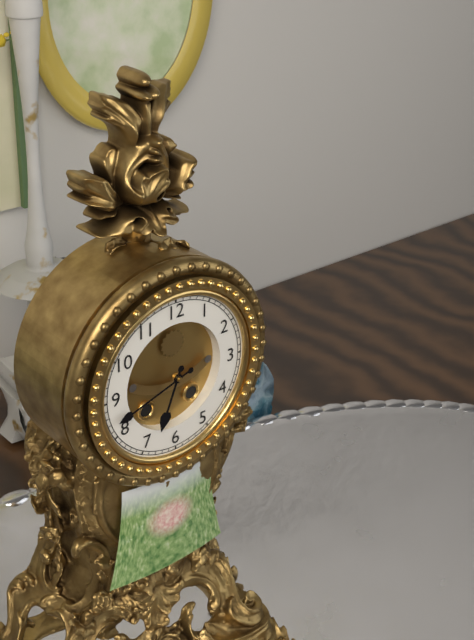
6:42
